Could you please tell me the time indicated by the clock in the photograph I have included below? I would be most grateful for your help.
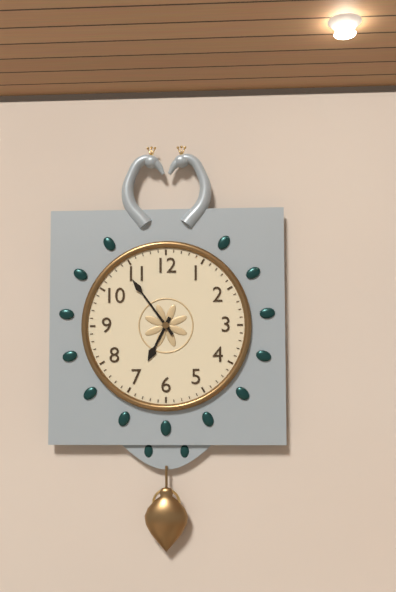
6:54
